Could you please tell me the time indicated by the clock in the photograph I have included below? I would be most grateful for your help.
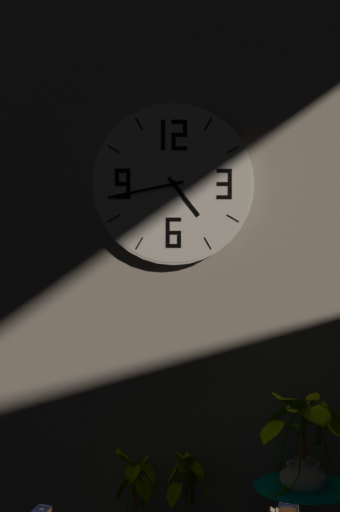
4:43
